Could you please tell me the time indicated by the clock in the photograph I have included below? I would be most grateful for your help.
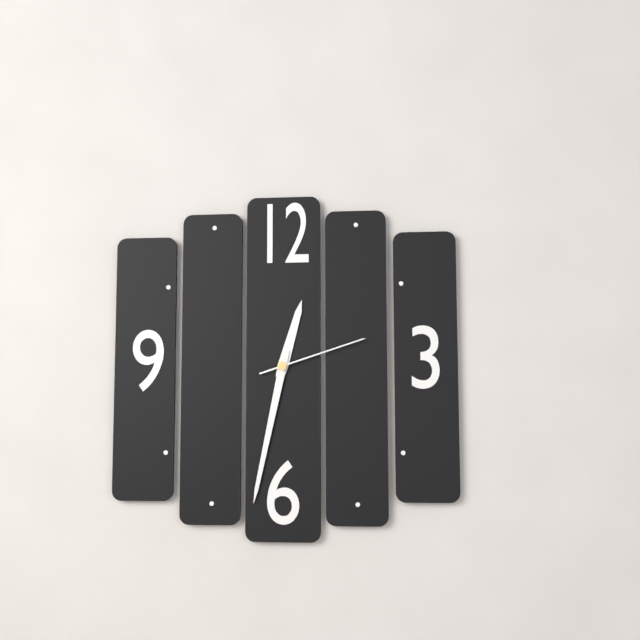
12:32:12
